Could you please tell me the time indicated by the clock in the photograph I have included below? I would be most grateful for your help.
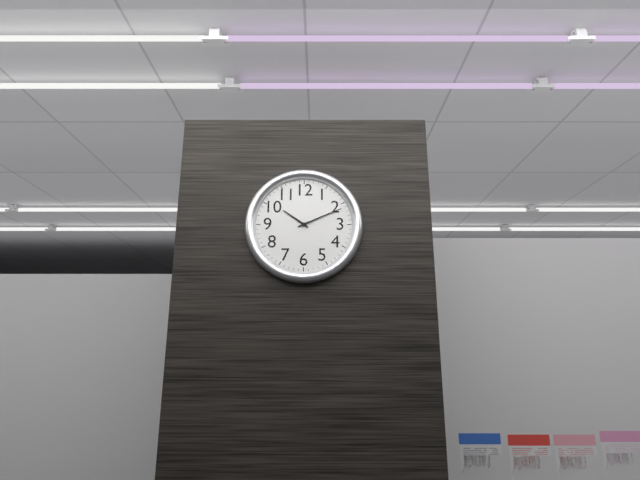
10:11
